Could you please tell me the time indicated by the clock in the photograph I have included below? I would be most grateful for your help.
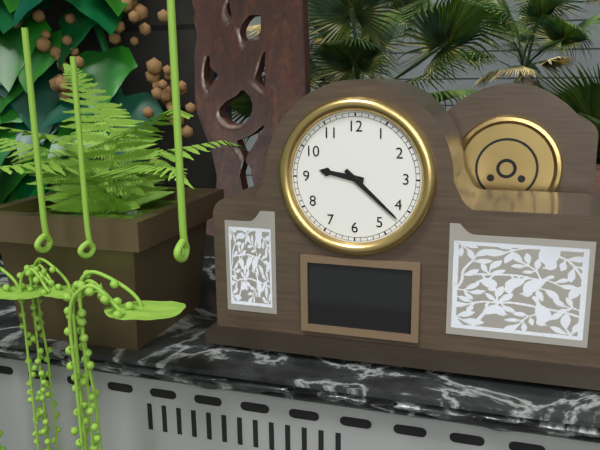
9:22
